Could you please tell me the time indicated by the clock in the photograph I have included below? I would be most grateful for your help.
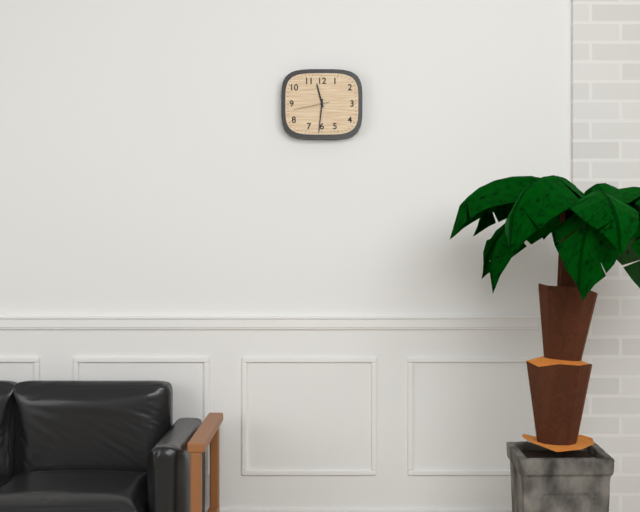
11:31
